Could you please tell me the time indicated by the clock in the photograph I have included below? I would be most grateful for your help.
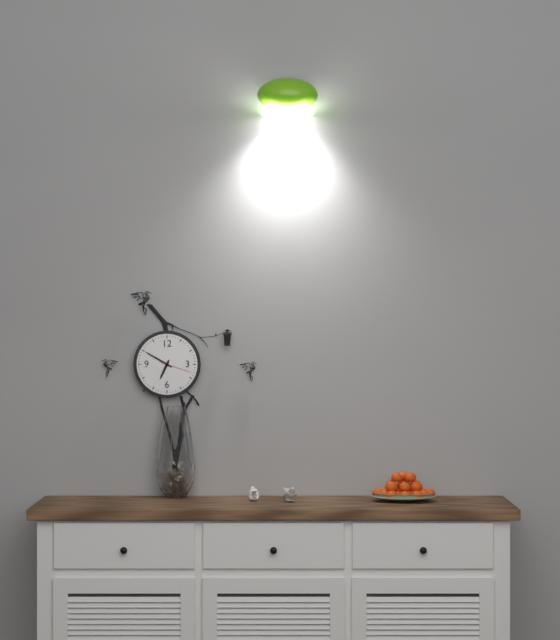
6:50
